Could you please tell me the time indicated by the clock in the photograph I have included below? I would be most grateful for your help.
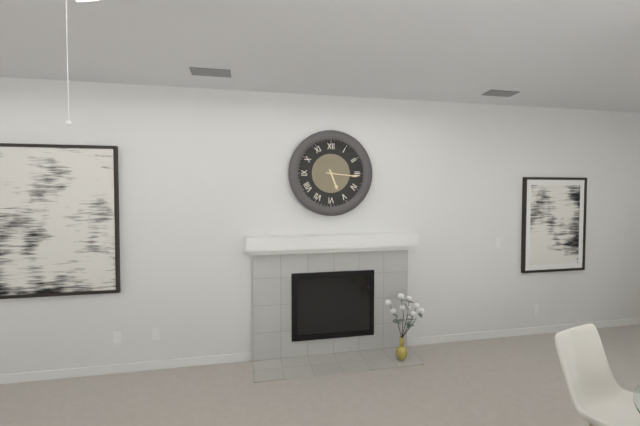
5:16
